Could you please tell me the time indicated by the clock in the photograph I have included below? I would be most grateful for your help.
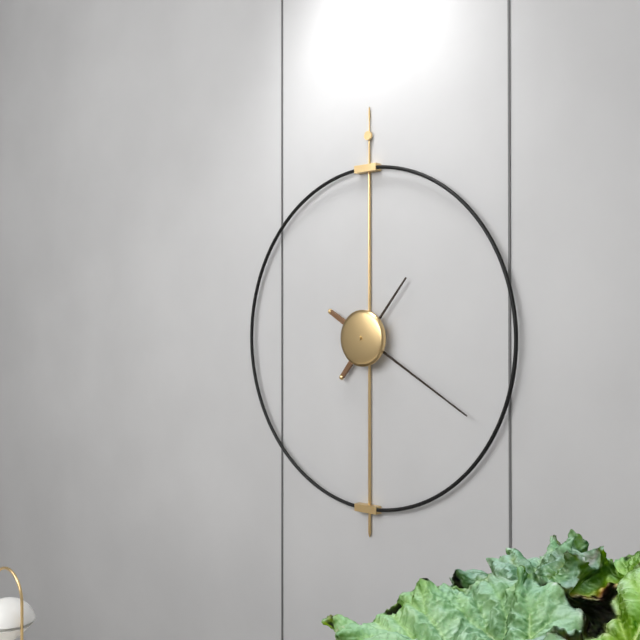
1:20
